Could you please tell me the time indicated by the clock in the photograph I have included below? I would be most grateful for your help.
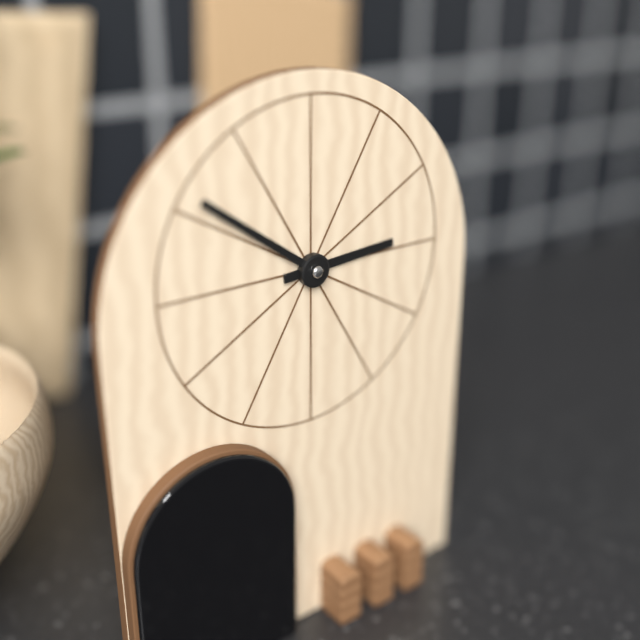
2:51
